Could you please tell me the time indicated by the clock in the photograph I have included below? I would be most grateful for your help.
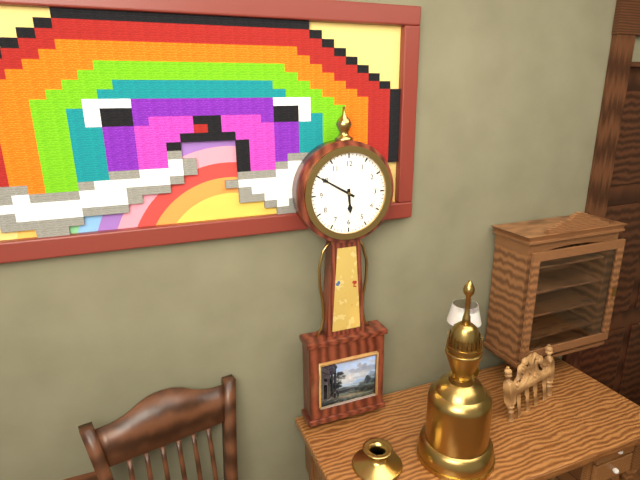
5:50
